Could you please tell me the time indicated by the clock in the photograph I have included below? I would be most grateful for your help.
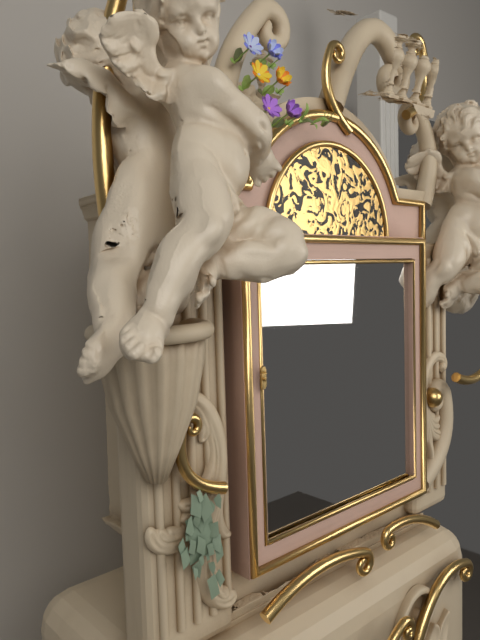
10:29
